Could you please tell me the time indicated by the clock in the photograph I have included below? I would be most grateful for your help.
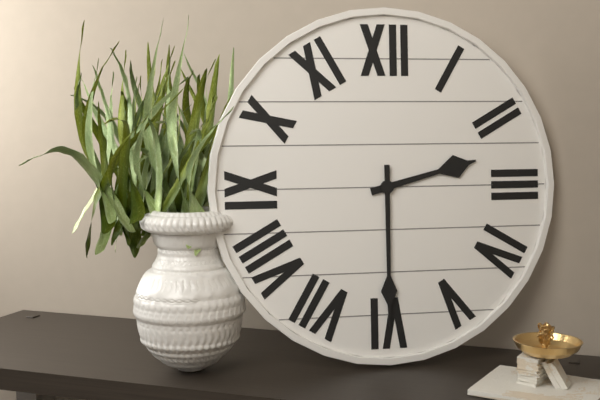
2:30
